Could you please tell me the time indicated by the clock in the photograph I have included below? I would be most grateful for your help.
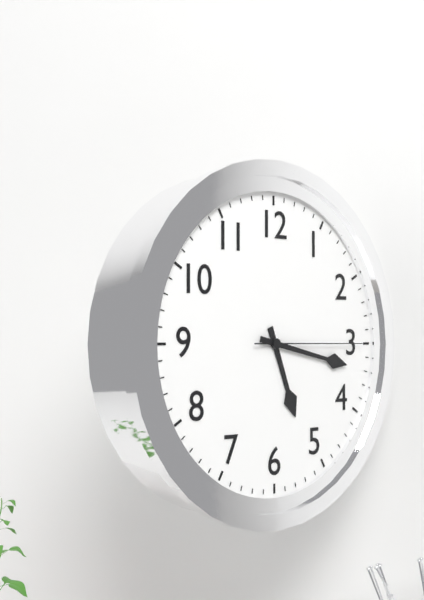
5:17:15
